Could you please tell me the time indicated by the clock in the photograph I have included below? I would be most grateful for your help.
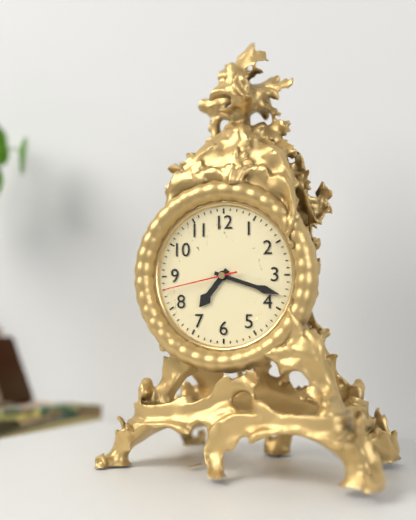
7:18:43
